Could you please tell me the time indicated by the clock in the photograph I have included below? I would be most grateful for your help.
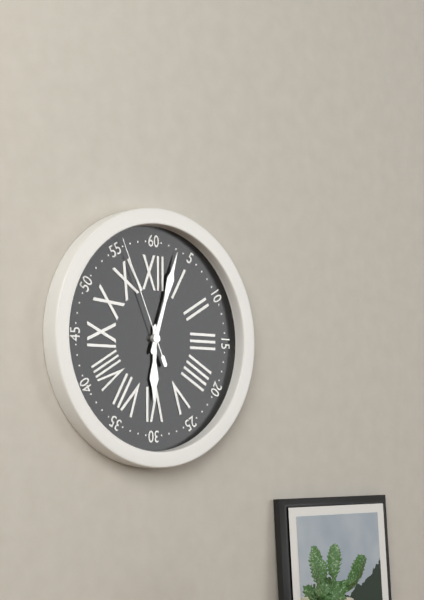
6:03:56
